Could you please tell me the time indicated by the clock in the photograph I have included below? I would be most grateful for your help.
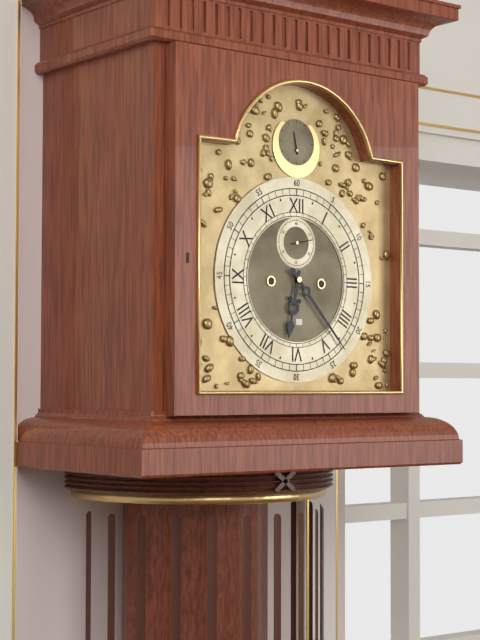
6:23
